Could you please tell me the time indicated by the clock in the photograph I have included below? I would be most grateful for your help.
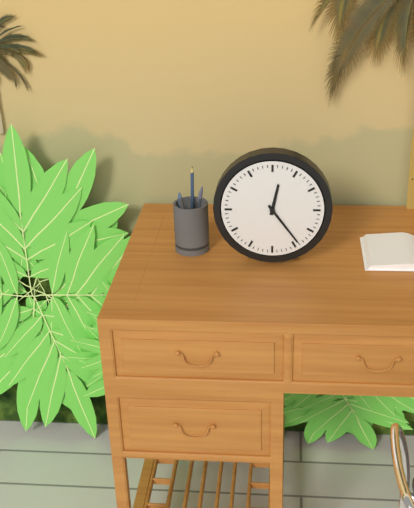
12:24
